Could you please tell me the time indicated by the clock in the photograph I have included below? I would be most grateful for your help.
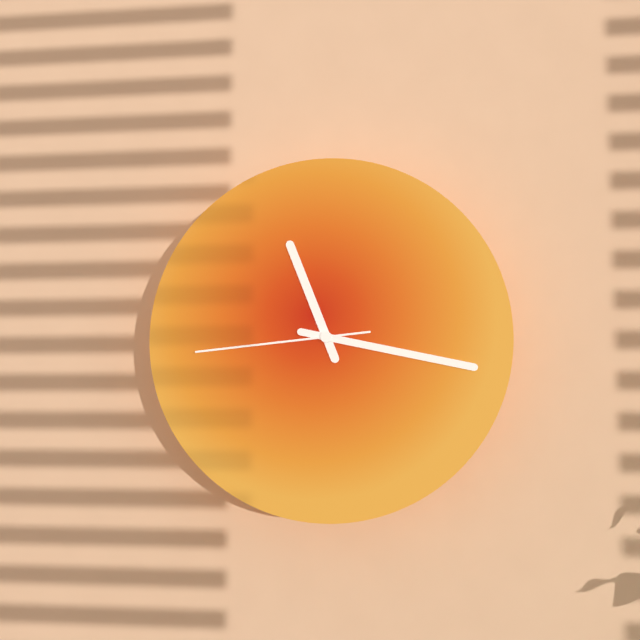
11:17:44
